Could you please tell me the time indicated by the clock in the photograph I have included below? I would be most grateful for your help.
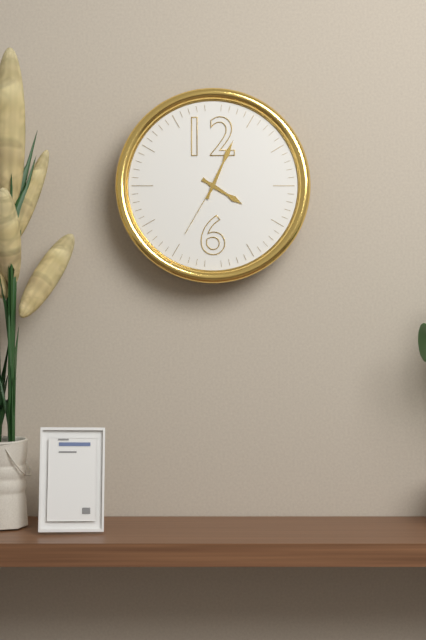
4:04:35
